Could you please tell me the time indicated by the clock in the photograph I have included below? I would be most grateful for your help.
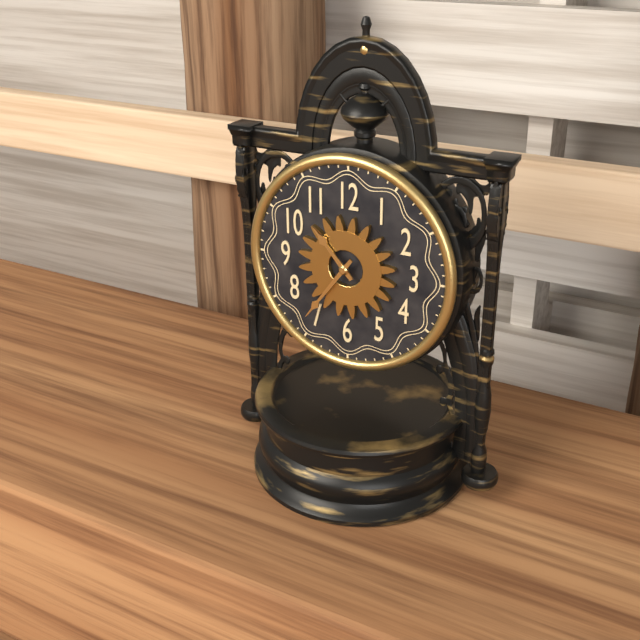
10:36
